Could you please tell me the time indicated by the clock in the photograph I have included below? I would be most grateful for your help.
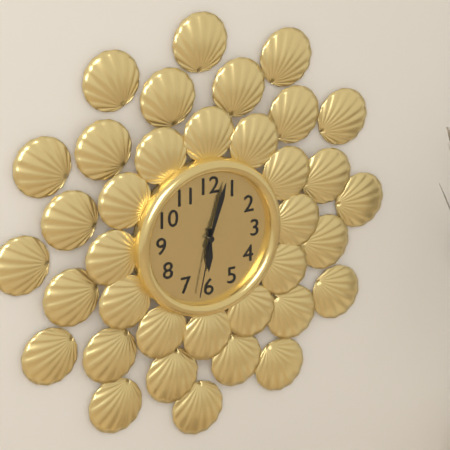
6:03:32
